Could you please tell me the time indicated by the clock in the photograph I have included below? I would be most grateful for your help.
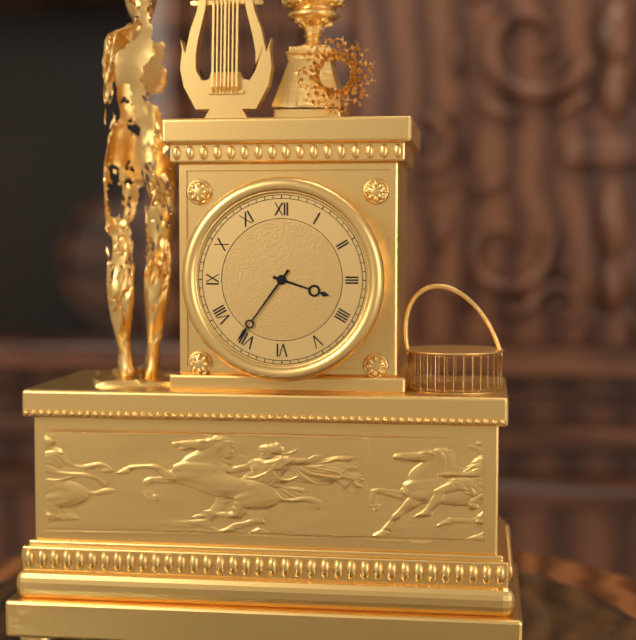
3:36
